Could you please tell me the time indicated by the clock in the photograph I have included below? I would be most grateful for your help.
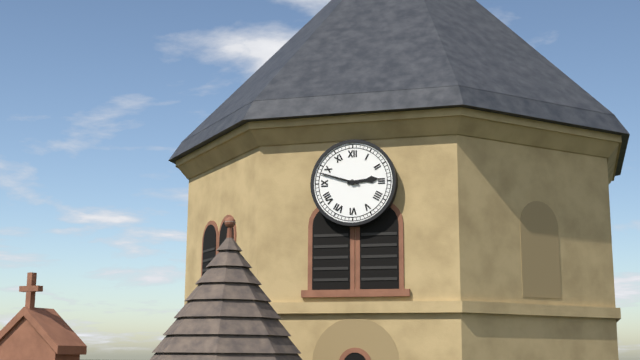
2:48
